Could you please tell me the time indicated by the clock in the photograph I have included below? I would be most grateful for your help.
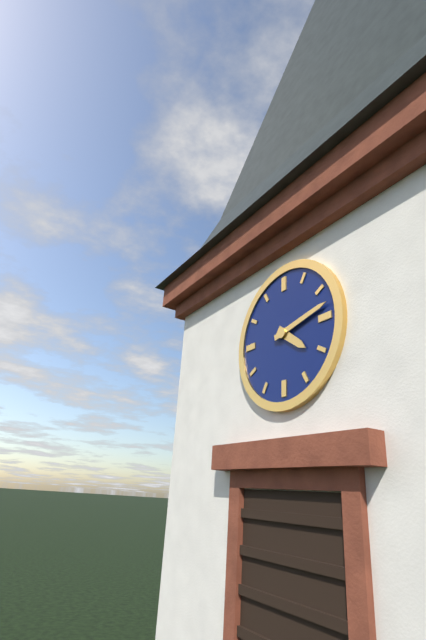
4:13
